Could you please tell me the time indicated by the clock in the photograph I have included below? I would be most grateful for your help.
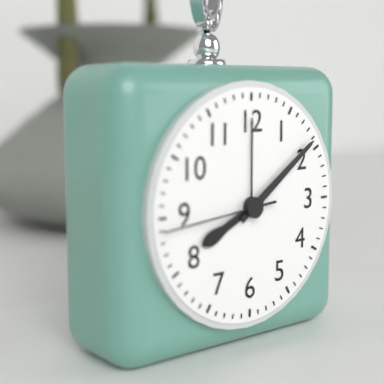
8:09:44
